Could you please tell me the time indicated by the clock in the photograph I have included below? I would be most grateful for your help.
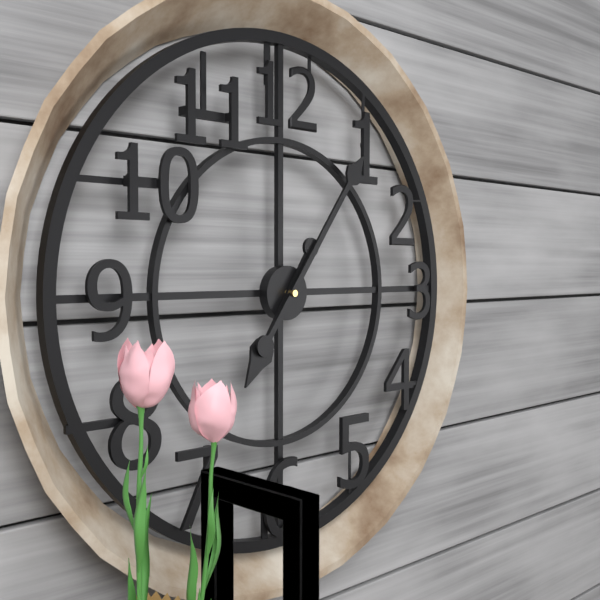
7:06
